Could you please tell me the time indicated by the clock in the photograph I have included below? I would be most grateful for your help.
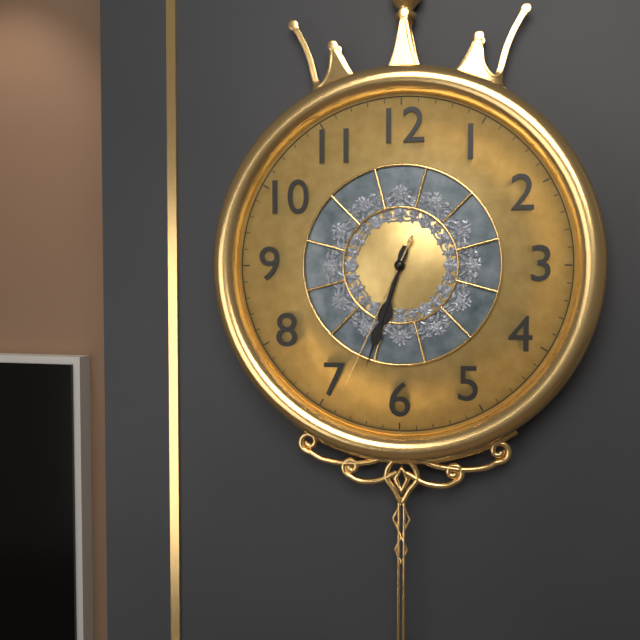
6:33:34
